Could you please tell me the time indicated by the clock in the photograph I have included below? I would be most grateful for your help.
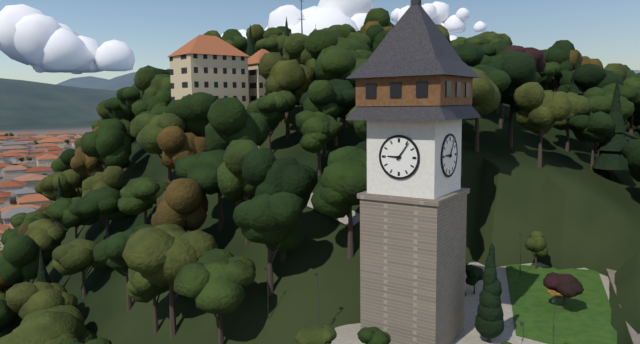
9:06
